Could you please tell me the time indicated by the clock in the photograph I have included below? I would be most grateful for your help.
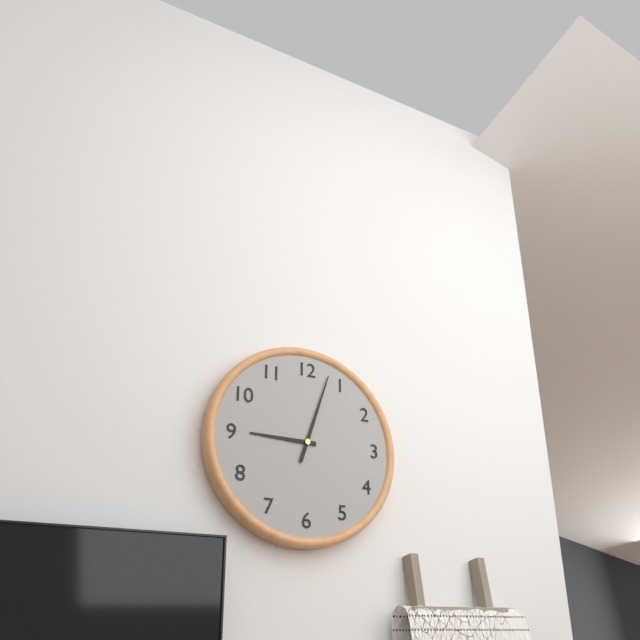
9:03
